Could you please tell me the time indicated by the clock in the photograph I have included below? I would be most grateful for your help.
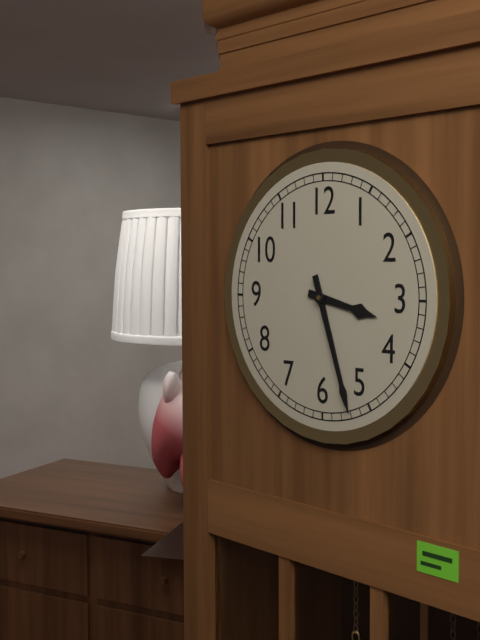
3:27
